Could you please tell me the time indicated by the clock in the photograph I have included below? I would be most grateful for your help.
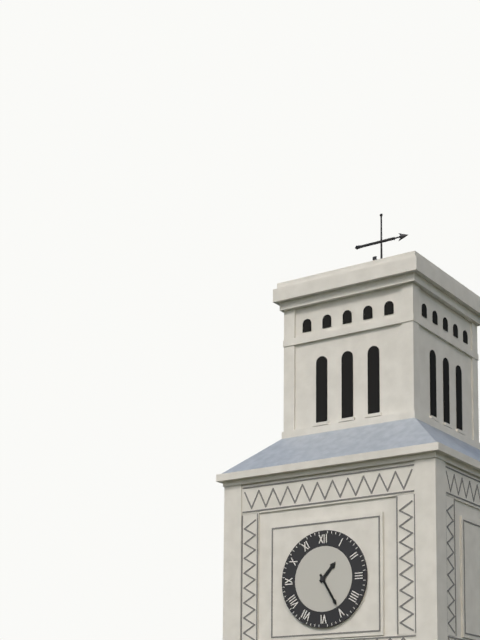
1:25
